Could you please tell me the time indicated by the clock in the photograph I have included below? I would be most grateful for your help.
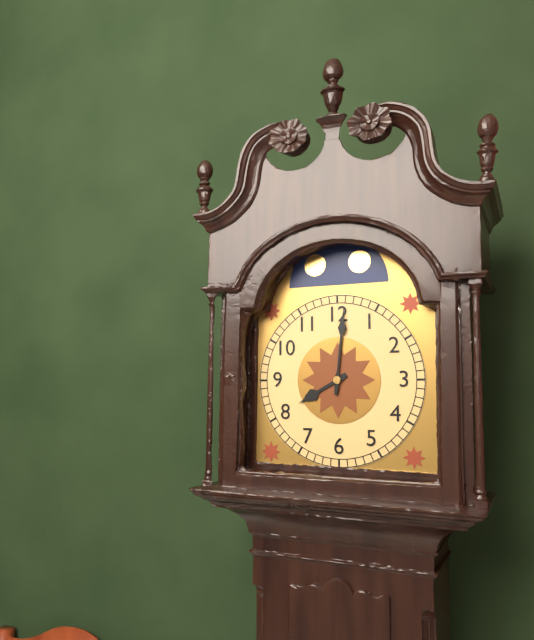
8:01
